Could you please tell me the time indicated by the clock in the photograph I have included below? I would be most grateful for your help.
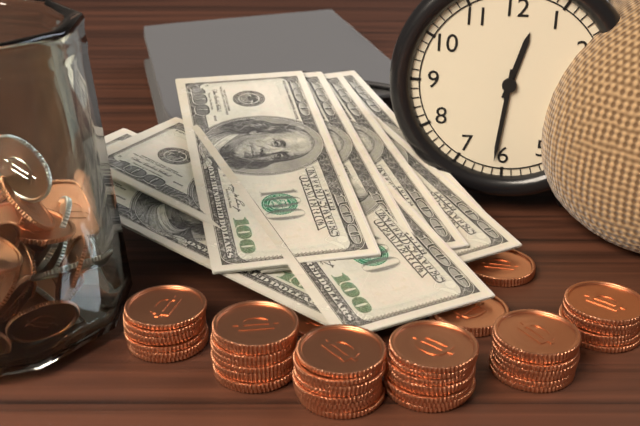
12:31
